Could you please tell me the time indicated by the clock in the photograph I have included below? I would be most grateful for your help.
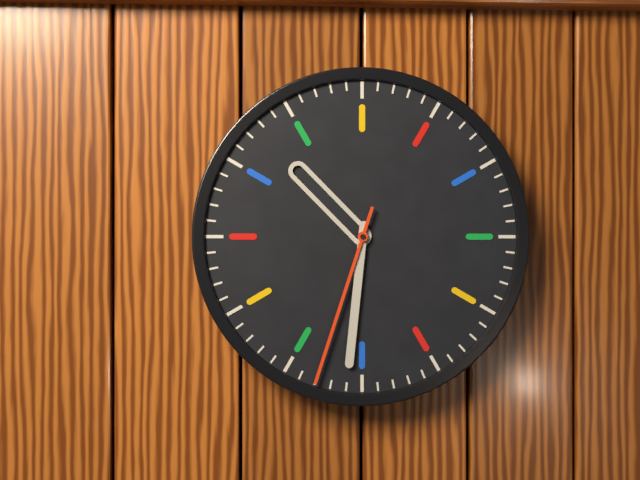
10:31:33
